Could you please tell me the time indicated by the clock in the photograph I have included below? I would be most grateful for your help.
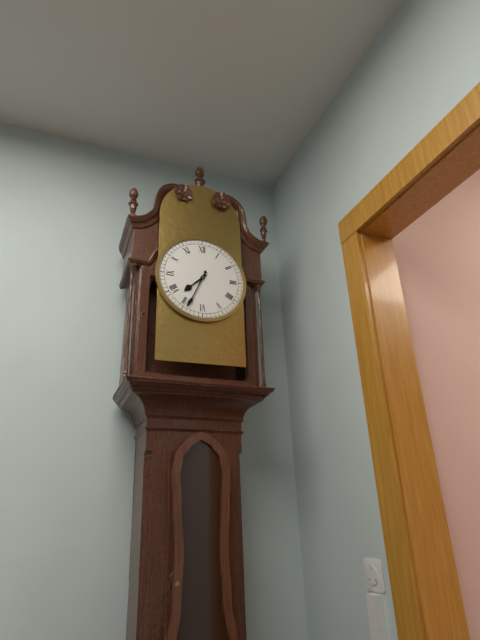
7:34
